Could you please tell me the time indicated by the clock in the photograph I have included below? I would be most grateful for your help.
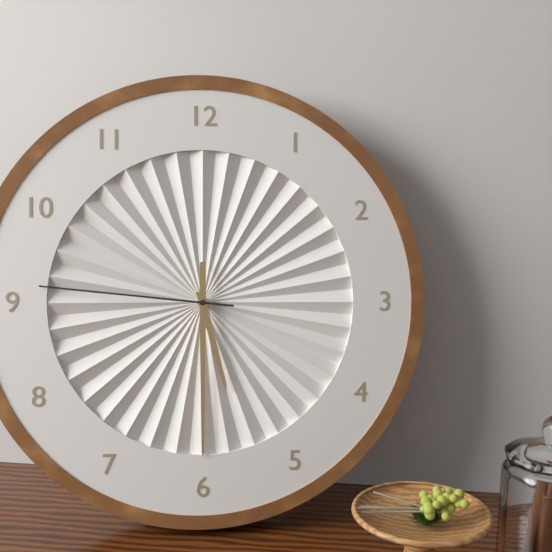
5:30:46
